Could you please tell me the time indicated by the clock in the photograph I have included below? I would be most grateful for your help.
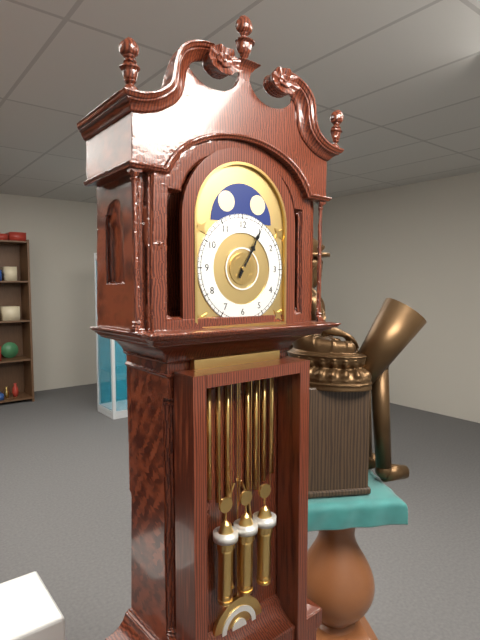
1:05
